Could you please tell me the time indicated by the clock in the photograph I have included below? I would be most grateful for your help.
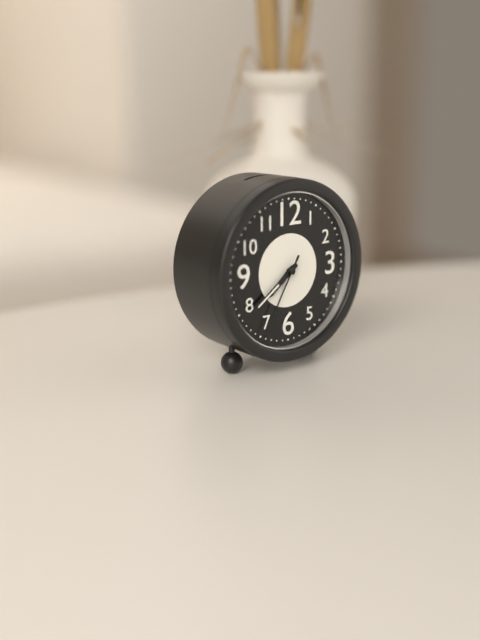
7:39:35
